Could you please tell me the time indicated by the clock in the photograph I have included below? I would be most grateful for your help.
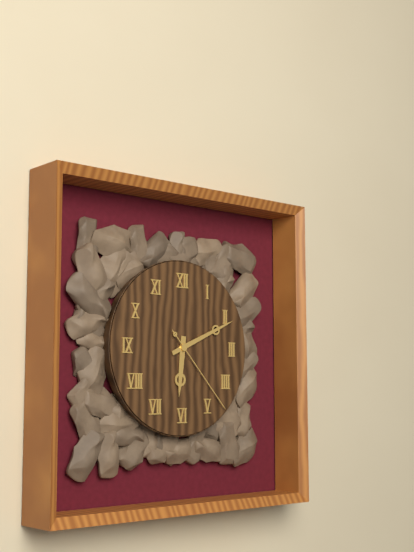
6:11:23
